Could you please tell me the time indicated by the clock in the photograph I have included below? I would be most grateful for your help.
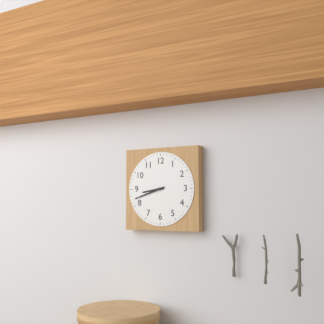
8:42
